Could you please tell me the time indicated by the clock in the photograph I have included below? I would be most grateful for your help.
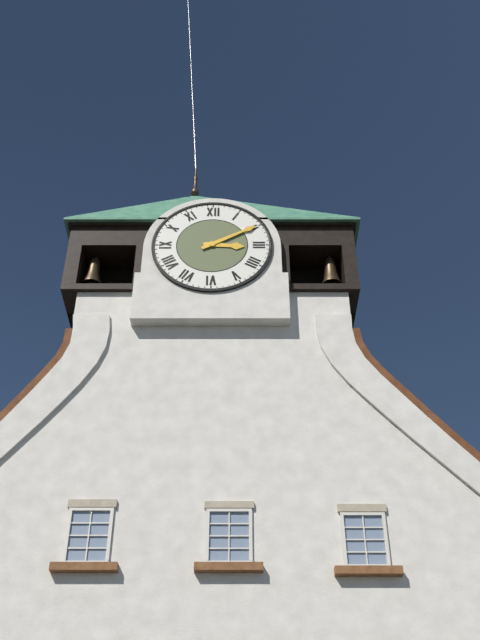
3:10
